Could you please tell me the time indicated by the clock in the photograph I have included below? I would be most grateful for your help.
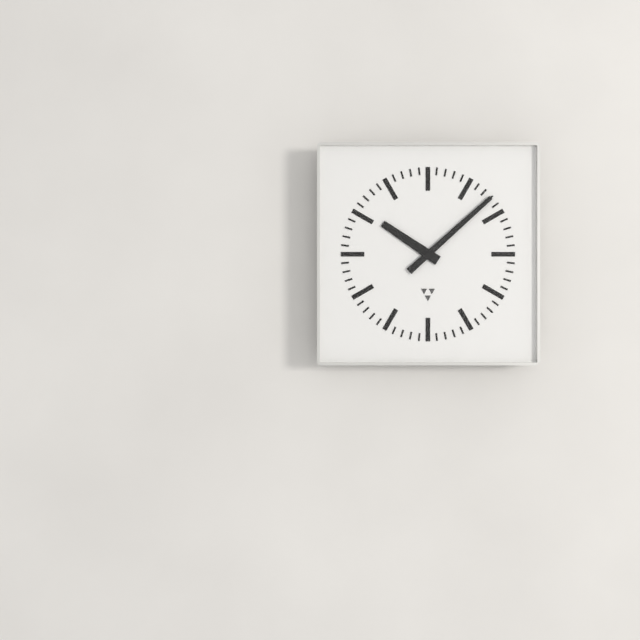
10:08
